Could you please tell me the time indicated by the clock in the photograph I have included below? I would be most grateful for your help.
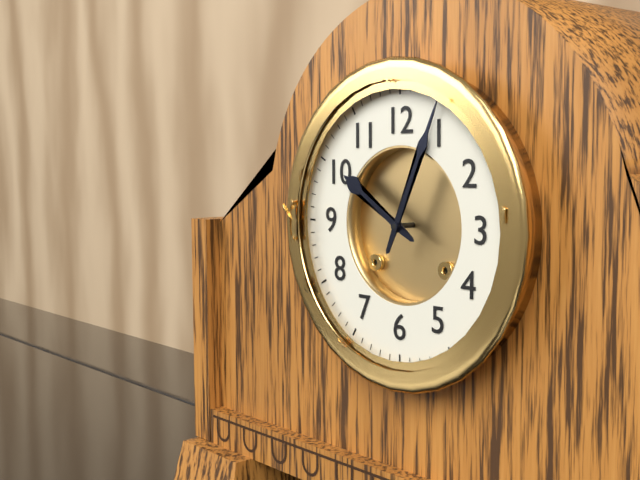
10:04
